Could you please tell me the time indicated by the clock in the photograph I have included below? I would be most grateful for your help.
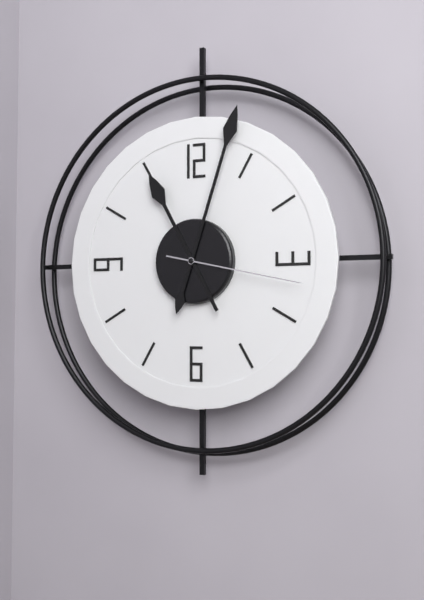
11:03:17
